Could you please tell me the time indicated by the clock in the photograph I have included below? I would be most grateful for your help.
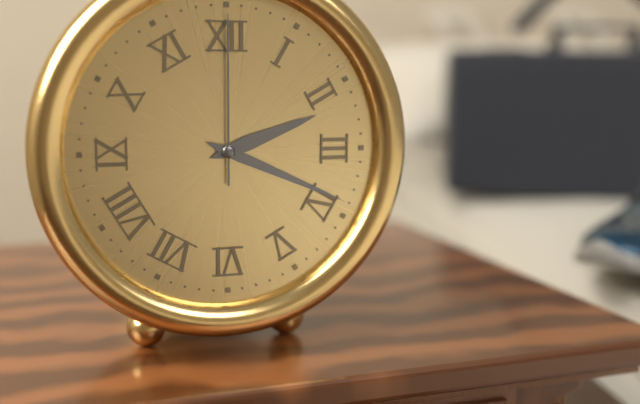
2:19:00
